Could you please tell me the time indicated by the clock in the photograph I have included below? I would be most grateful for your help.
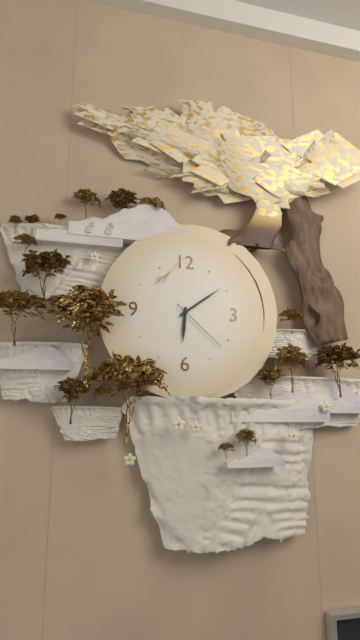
6:09:22
